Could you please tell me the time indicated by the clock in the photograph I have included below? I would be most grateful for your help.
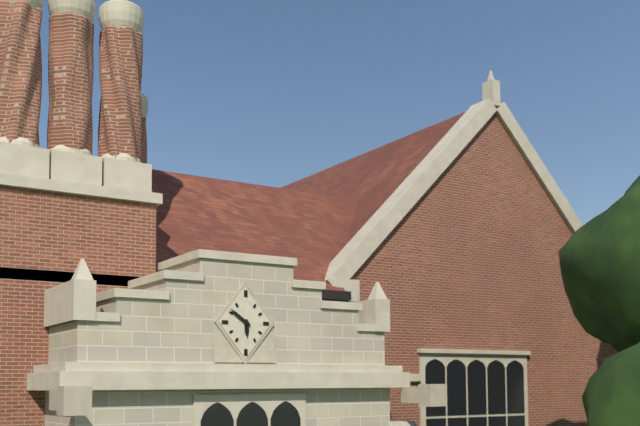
5:51
